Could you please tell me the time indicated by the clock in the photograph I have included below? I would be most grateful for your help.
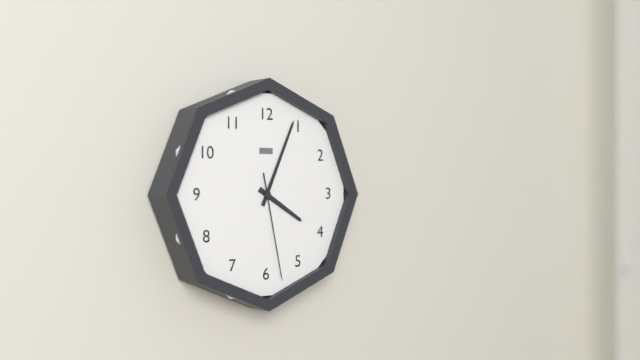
4:04:28
